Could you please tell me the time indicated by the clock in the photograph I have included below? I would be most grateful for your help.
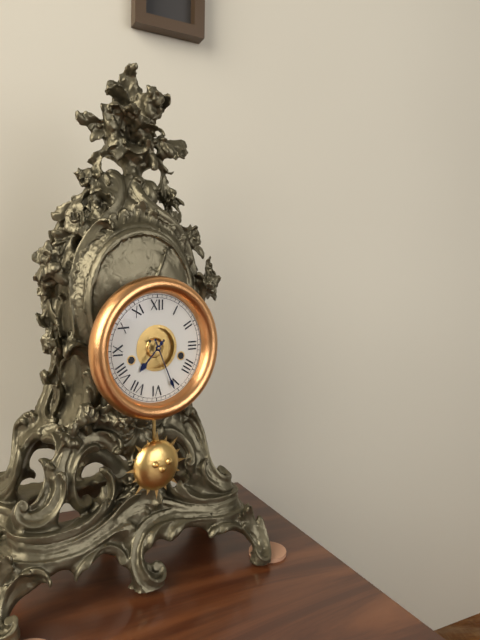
7:26
